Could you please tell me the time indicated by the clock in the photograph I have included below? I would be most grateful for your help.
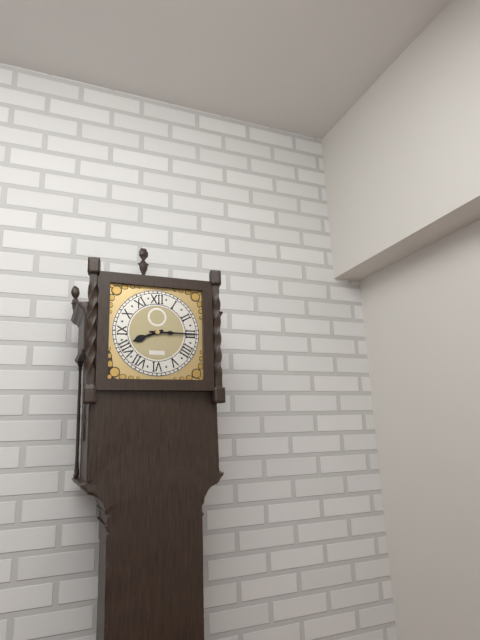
8:15
